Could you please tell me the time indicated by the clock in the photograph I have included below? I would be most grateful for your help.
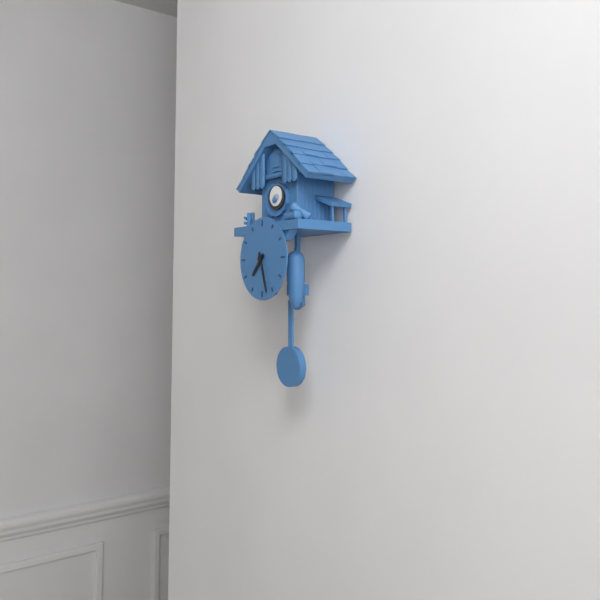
7:27
